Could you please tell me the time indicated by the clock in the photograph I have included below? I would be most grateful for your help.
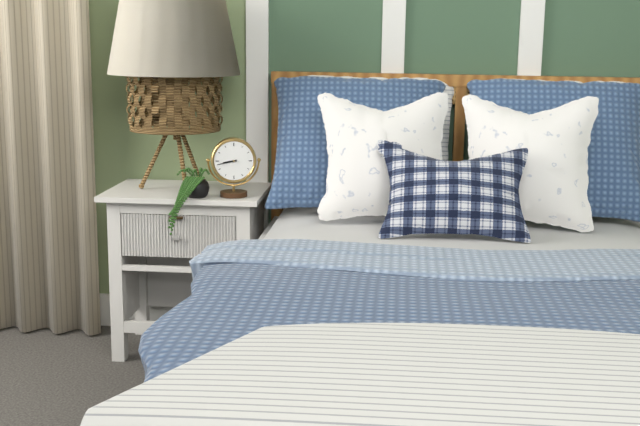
8:43
